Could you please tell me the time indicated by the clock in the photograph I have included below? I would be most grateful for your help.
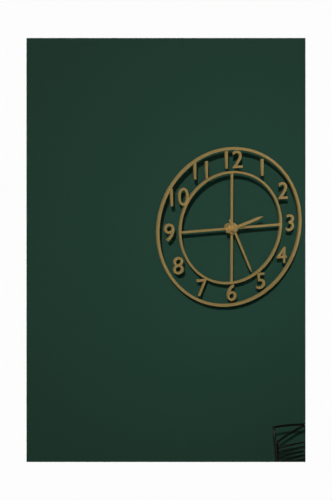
2:26
